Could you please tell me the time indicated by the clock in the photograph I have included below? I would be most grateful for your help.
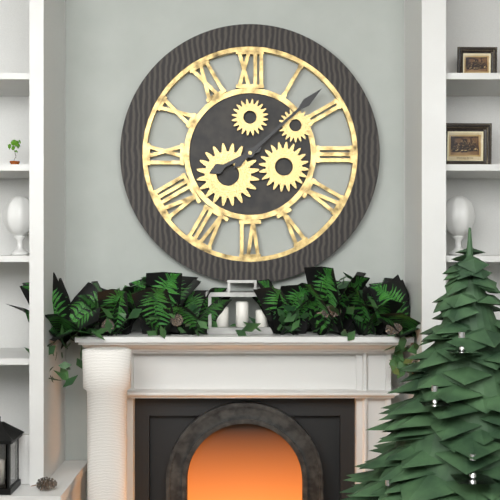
8:08
